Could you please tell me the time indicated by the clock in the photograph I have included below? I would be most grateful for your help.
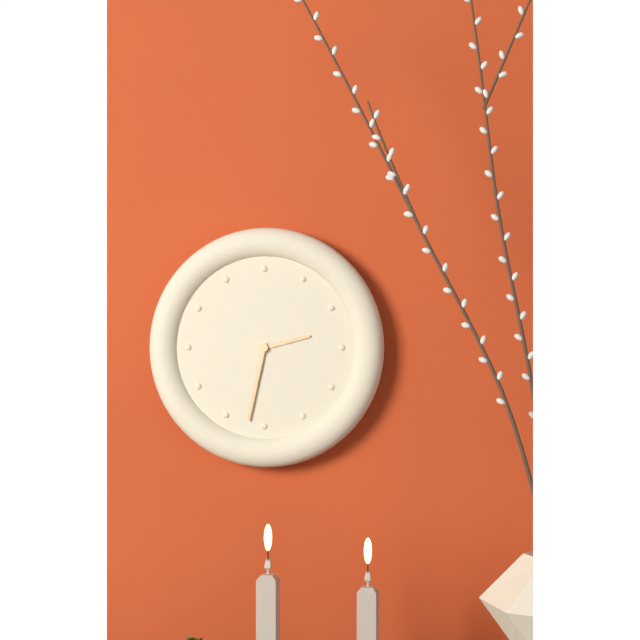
2:32
